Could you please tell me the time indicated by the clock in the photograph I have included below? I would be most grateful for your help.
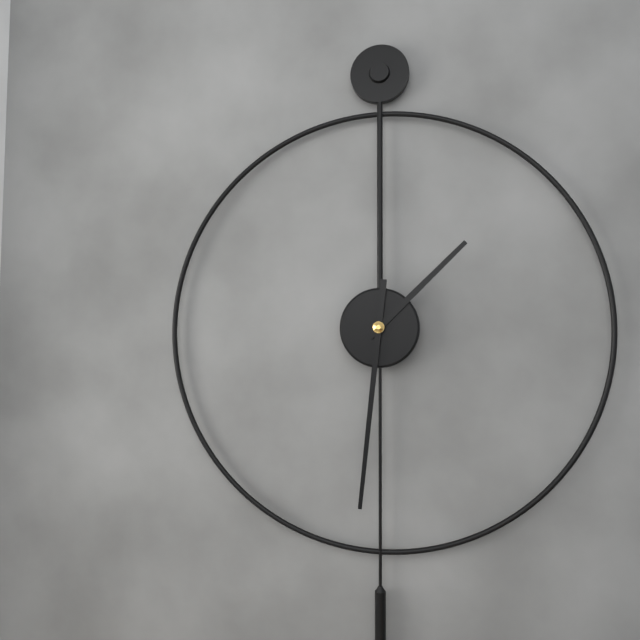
1:31
